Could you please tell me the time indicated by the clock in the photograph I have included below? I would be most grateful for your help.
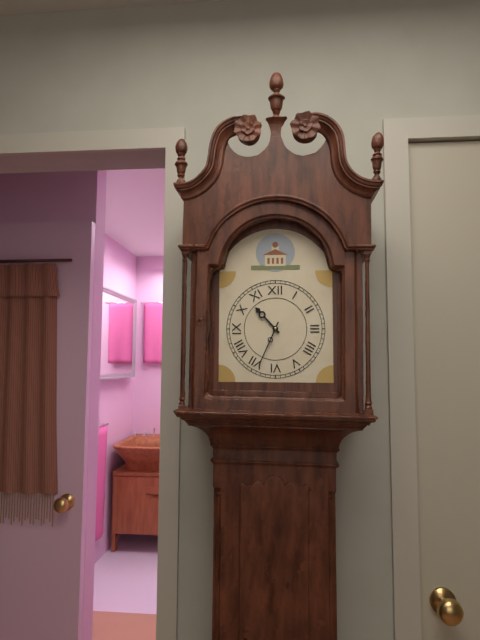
10:34
